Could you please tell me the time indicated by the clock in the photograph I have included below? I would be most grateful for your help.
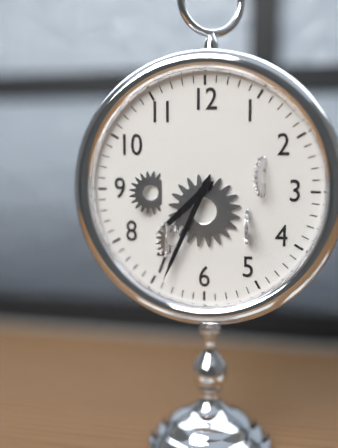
7:34
